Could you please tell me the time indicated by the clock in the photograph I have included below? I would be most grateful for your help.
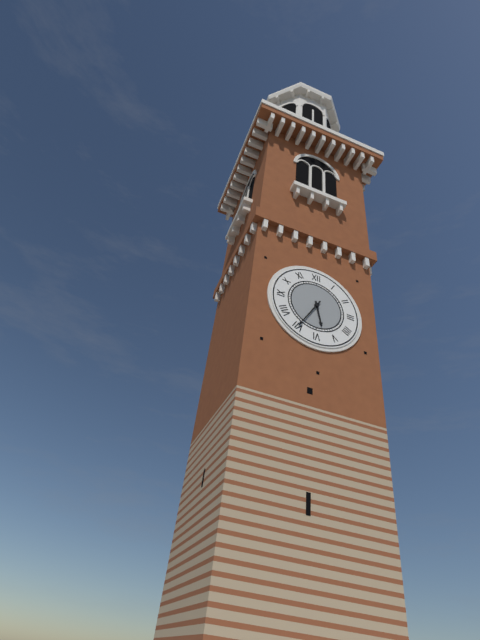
5:35
